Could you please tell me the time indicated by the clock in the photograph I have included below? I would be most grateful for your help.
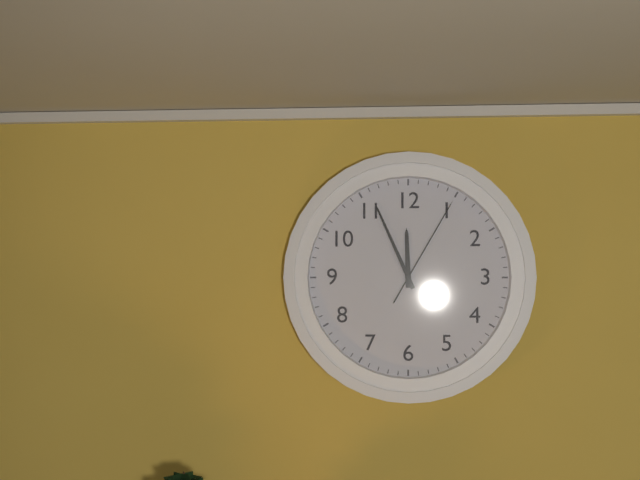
11:56:05
